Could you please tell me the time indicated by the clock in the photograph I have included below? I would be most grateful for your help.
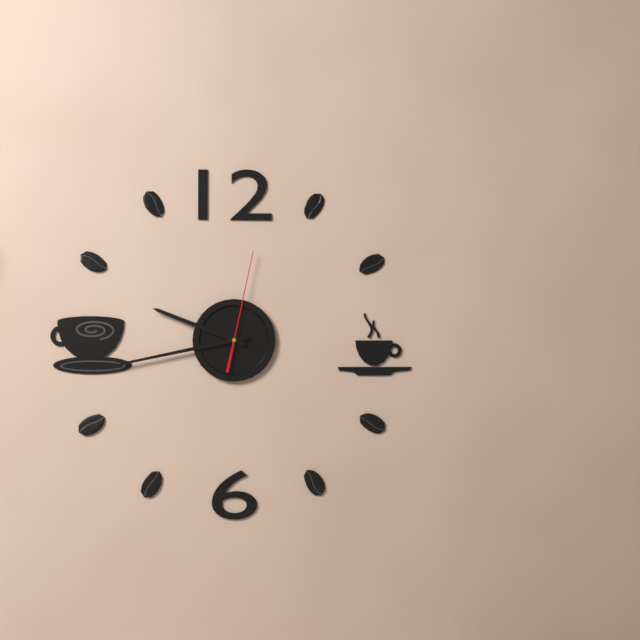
9:43:02
